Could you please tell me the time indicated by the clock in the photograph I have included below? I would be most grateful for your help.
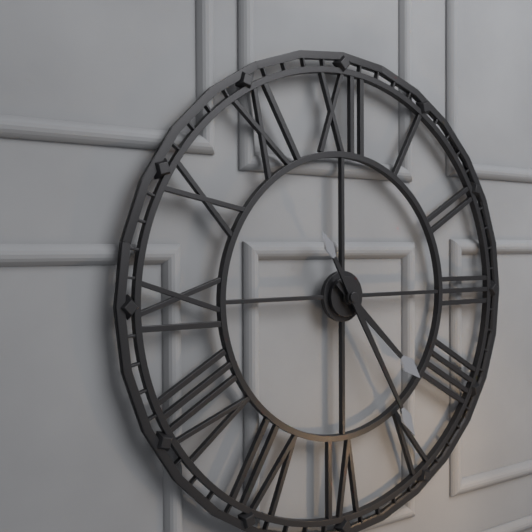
4:25
